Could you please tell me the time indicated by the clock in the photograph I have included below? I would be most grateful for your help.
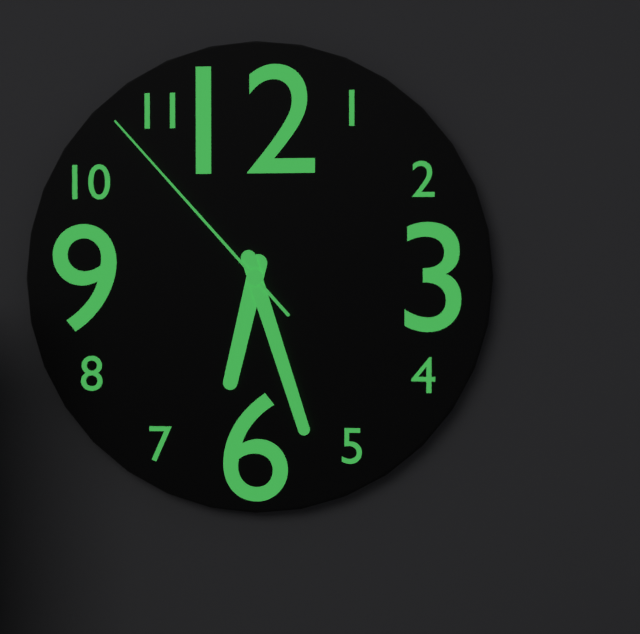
6:27:53
